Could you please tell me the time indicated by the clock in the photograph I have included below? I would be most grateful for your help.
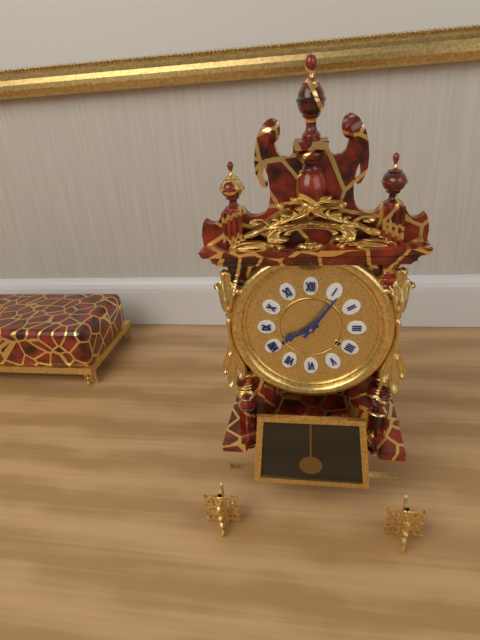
8:06
